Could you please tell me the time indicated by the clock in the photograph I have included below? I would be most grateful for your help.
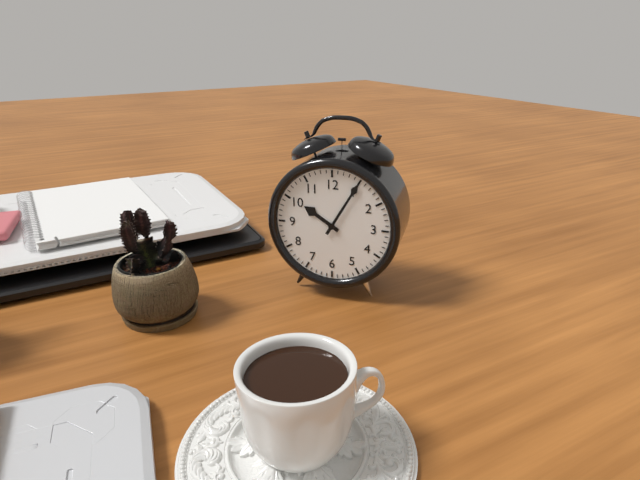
10:05
